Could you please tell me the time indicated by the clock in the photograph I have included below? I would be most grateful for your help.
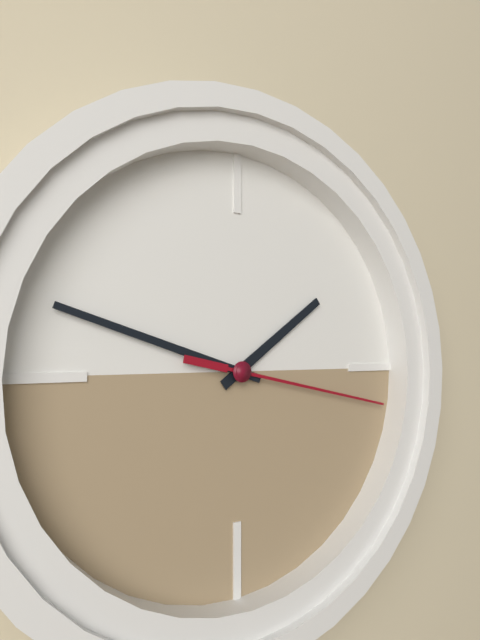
1:48:17
